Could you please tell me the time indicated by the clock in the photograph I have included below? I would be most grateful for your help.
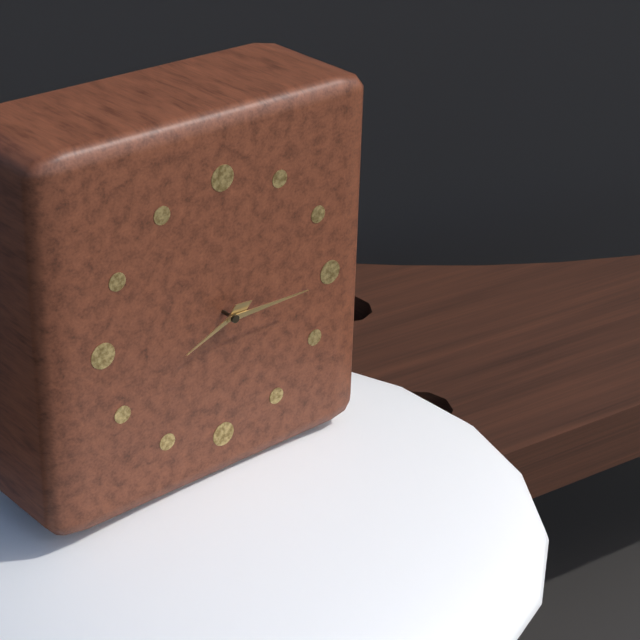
8:15
